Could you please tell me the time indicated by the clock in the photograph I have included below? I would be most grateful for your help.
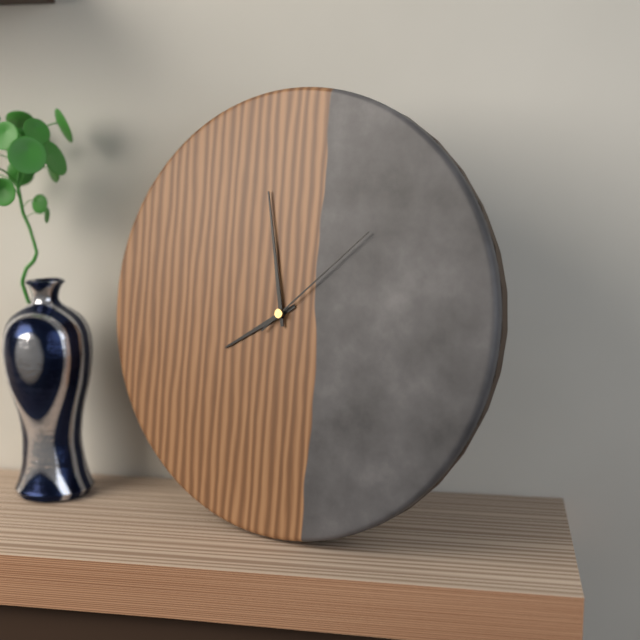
7:58:08
